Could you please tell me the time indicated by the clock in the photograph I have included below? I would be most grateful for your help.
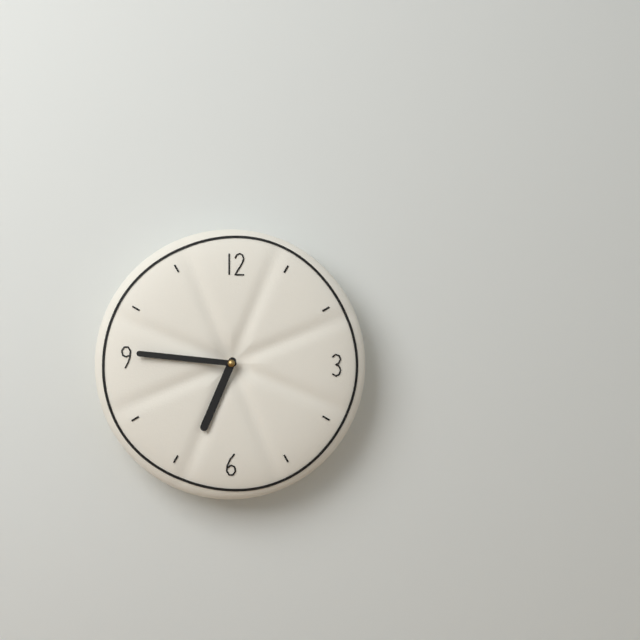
6:46
